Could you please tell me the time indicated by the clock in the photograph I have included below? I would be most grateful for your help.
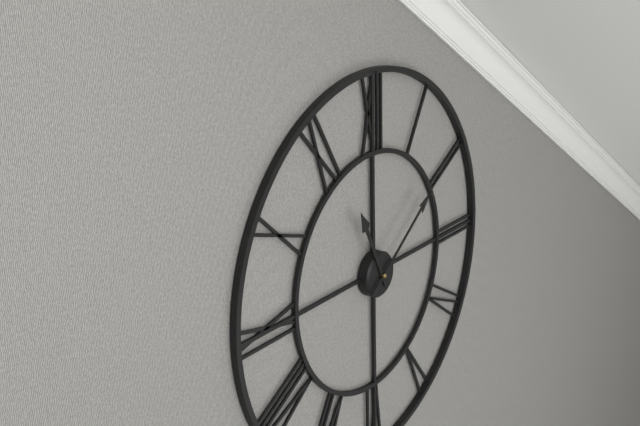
11:09
